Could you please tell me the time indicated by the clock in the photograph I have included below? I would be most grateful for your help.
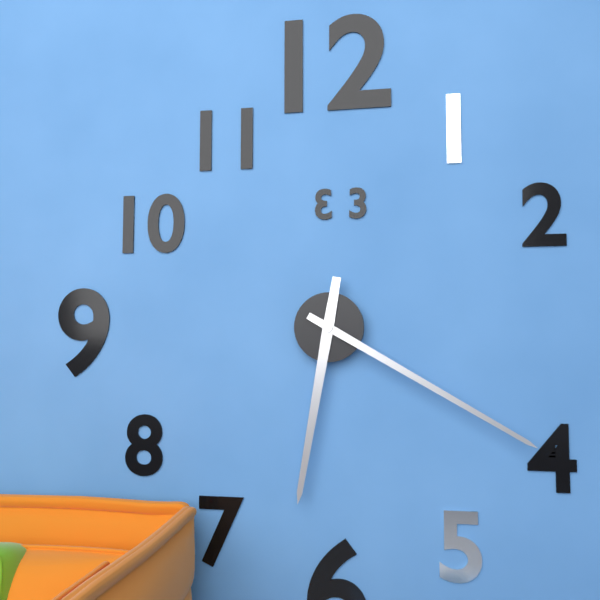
6:20
